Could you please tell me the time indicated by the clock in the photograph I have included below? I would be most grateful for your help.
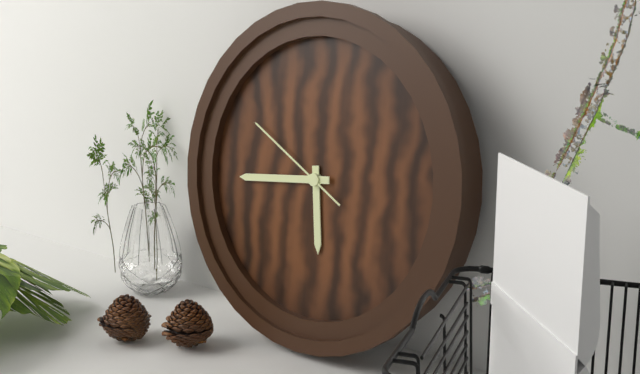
5:44:50
